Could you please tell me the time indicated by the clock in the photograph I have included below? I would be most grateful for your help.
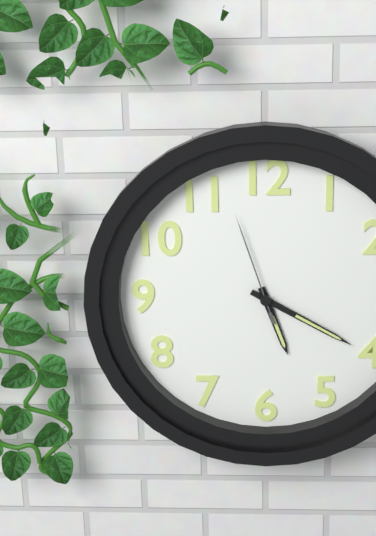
5:20:57
